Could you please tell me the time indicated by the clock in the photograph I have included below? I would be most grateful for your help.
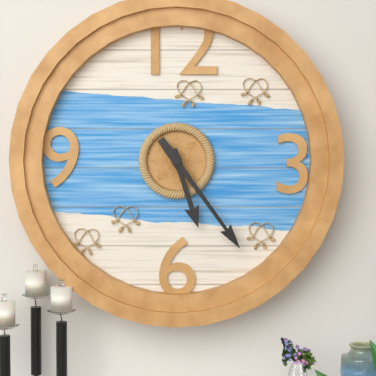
5:24
